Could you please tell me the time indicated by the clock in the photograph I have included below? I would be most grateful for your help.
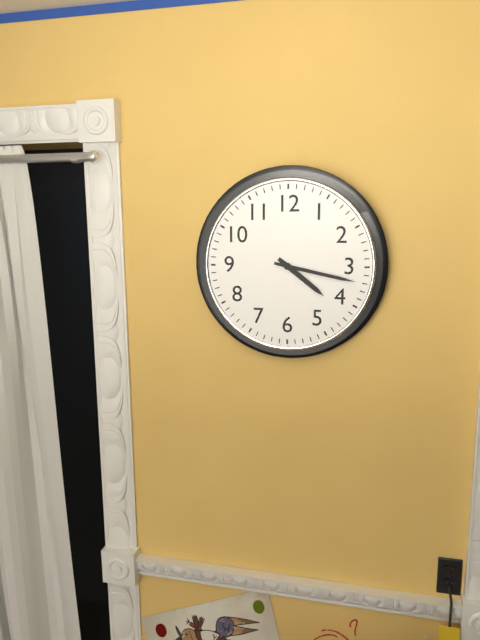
4:17
